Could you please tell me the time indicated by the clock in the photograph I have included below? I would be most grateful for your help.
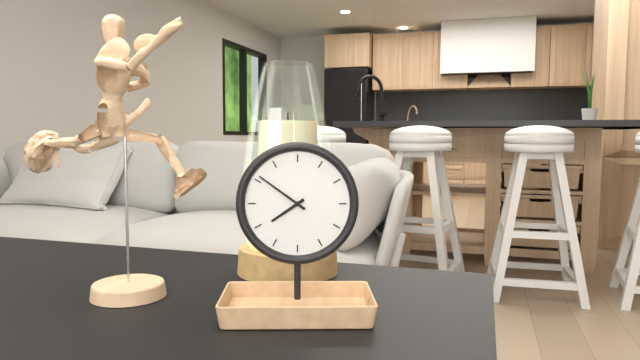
7:51
